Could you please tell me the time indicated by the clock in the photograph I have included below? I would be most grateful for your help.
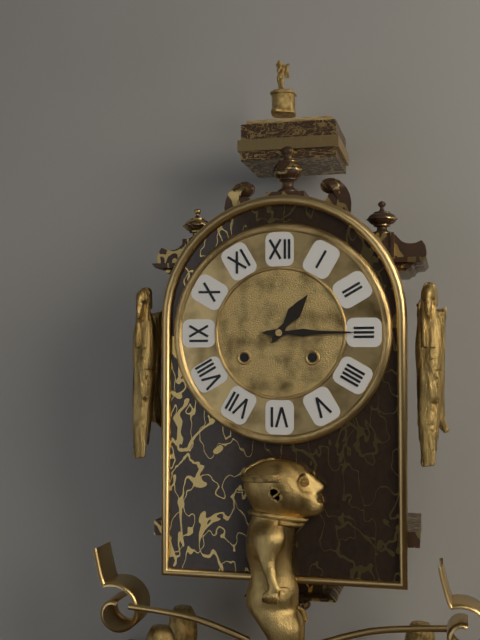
1:15
